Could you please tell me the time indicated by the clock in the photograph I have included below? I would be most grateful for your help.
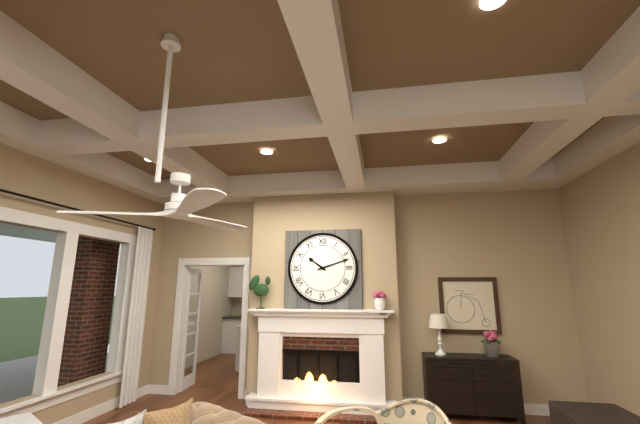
10:12
